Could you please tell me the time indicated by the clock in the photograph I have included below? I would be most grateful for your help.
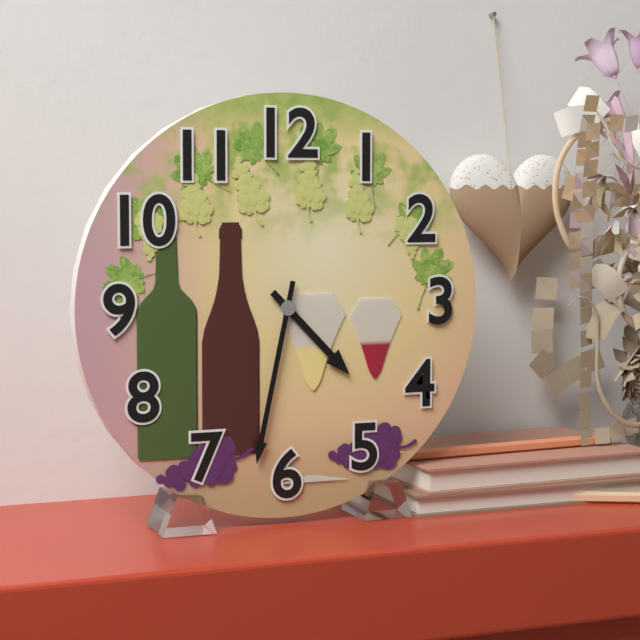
4:32
